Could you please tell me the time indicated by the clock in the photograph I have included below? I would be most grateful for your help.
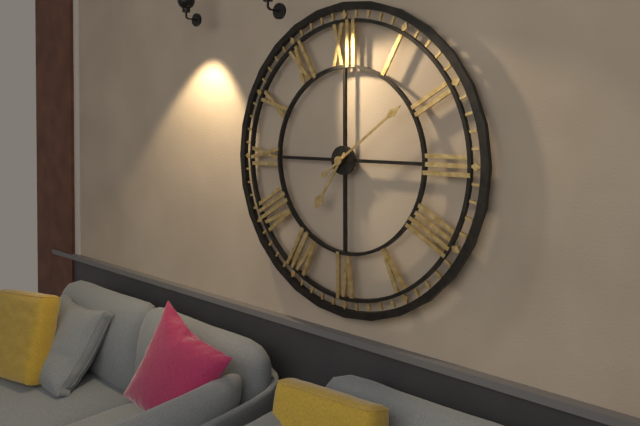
7:09
